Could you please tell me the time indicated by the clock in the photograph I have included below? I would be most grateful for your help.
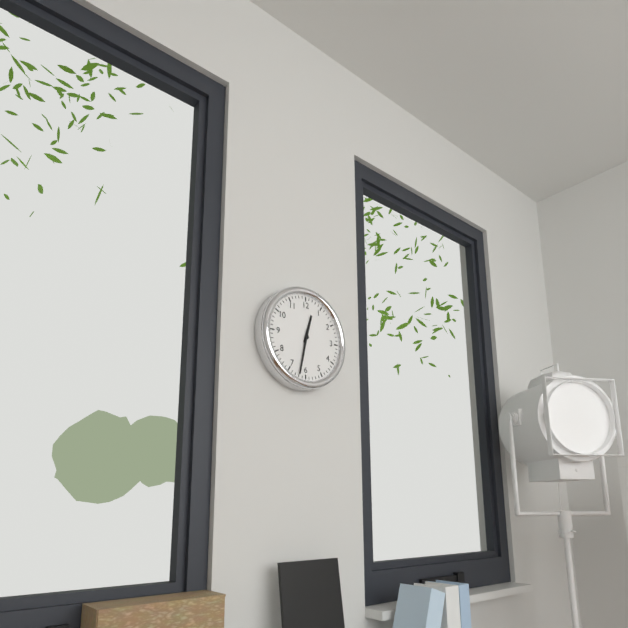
12:32
